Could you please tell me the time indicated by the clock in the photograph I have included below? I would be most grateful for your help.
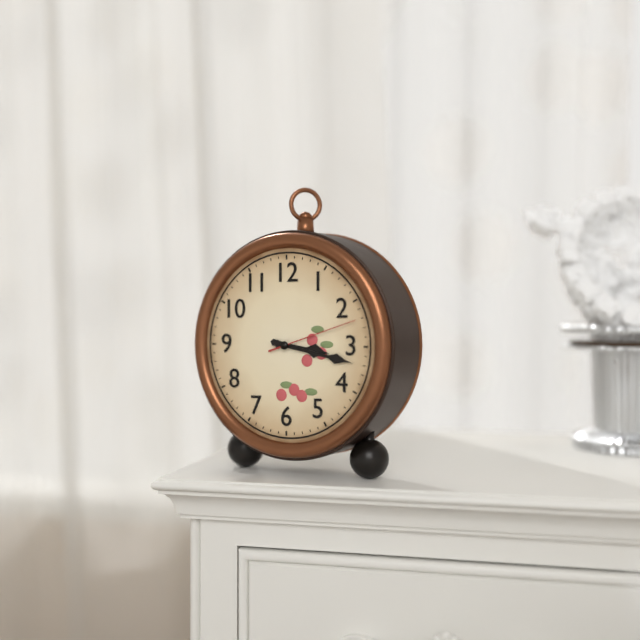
3:17:12
